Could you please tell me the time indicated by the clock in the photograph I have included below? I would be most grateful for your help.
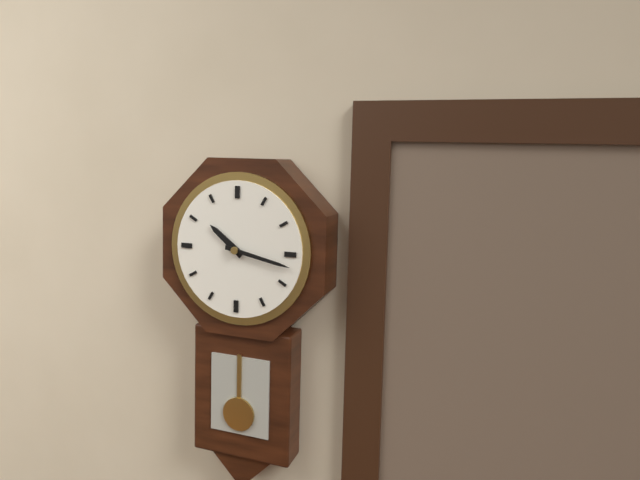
10:17
